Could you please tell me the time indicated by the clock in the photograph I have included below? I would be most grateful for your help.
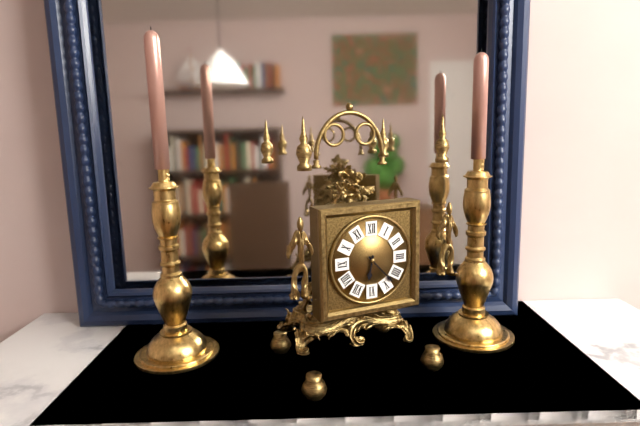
6:23
